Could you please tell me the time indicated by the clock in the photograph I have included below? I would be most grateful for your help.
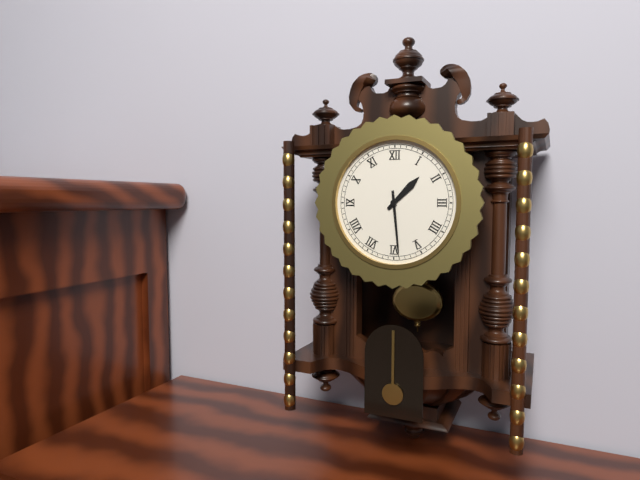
1:29
